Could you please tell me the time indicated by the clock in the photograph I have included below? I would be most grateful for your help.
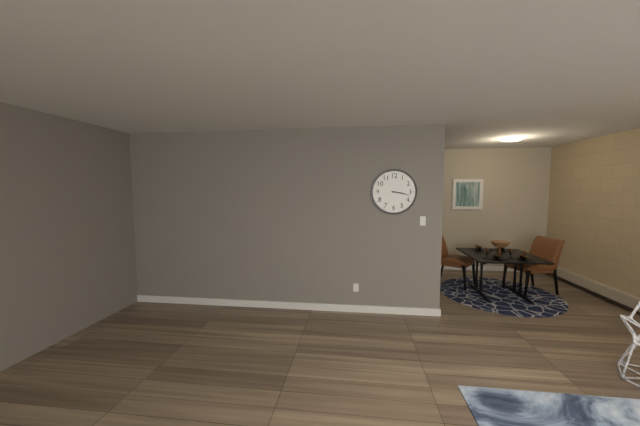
3:17
